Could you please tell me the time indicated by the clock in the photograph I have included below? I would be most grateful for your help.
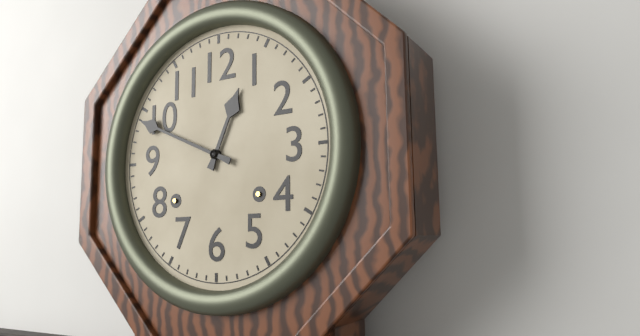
12:49
